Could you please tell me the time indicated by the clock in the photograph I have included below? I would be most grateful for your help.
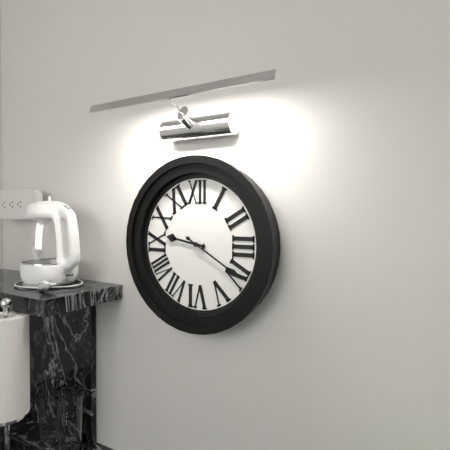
9:20
